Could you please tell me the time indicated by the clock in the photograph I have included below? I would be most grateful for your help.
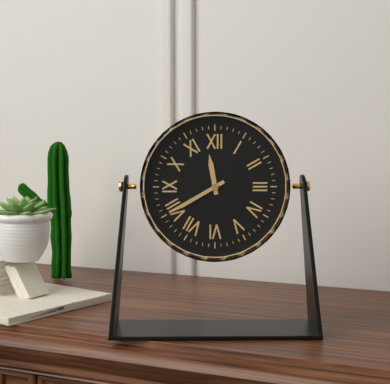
11:40
